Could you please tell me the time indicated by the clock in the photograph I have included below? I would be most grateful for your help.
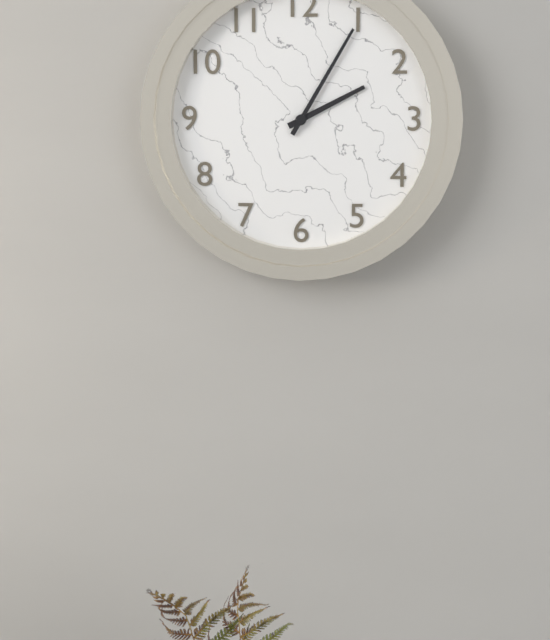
2:05
